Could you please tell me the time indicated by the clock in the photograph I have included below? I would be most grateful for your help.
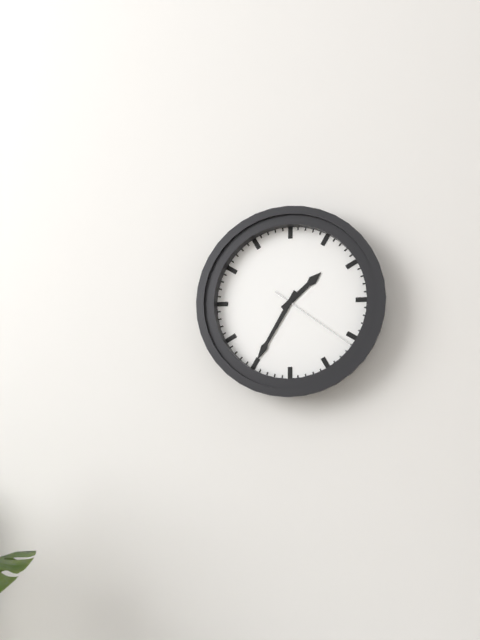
1:35:21
